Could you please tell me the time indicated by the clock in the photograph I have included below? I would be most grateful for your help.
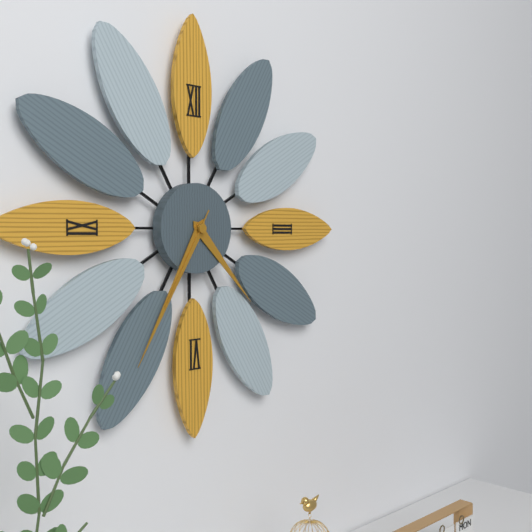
4:35:35
